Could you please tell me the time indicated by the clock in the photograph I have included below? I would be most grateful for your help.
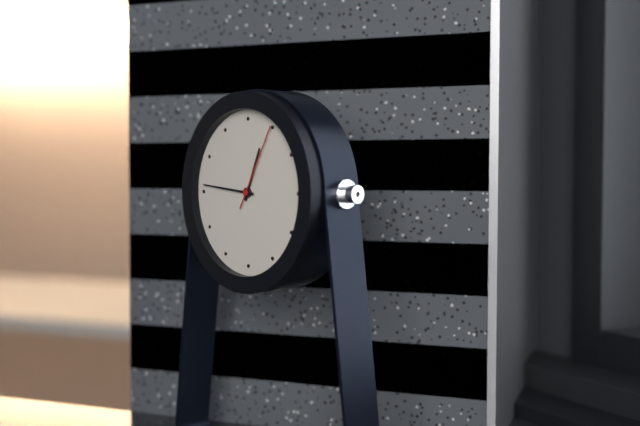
12:46:05
